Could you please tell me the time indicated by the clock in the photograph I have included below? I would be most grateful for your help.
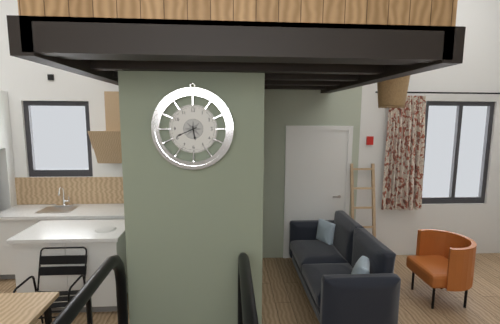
5:41
